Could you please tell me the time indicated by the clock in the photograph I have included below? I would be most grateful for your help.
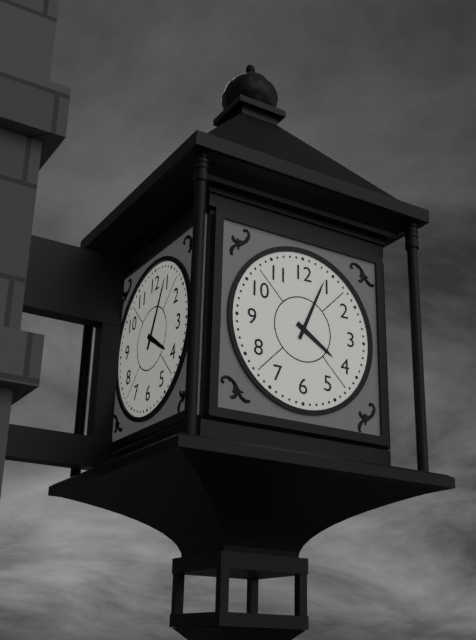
4:04
